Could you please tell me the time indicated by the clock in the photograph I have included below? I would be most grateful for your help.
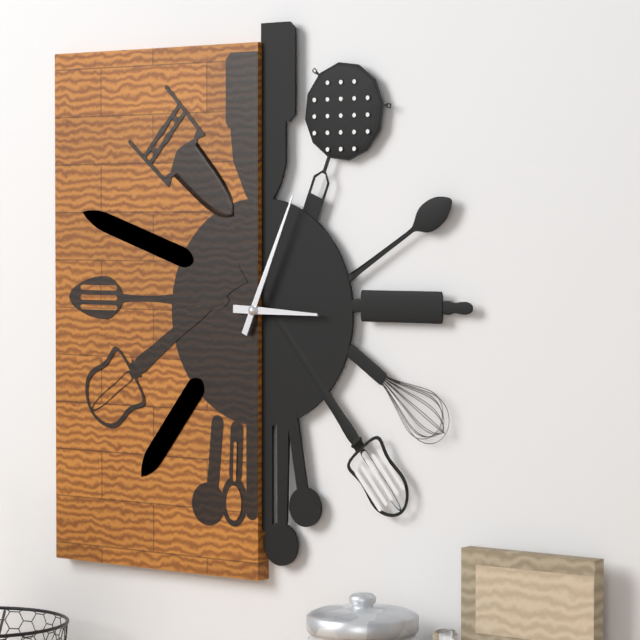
3:04
